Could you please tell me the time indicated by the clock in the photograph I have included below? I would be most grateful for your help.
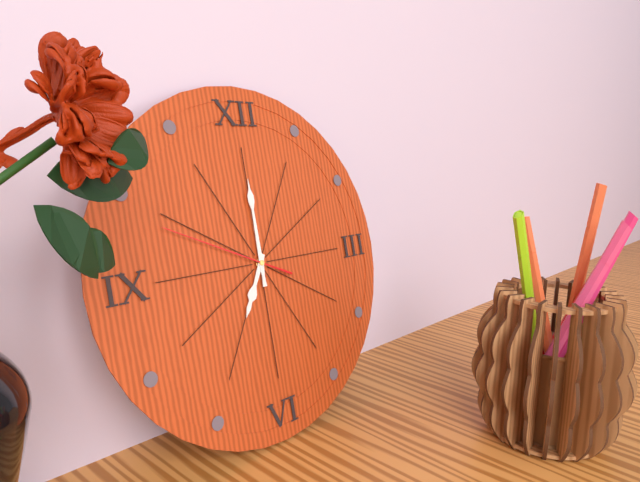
7:00:49
